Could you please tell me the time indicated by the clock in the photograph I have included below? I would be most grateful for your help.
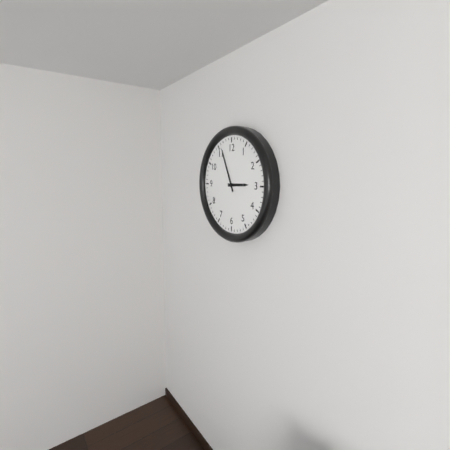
2:56
